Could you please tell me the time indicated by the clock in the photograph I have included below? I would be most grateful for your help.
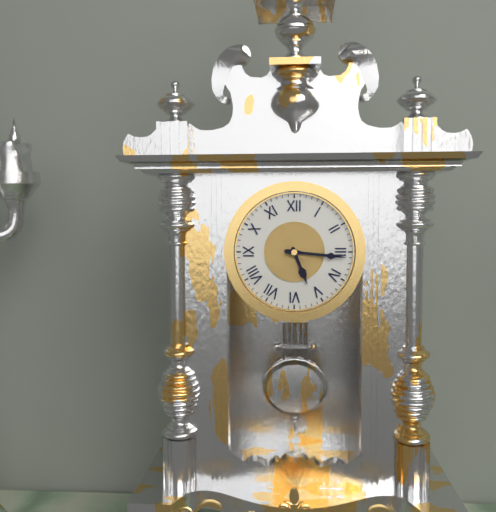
5:16
